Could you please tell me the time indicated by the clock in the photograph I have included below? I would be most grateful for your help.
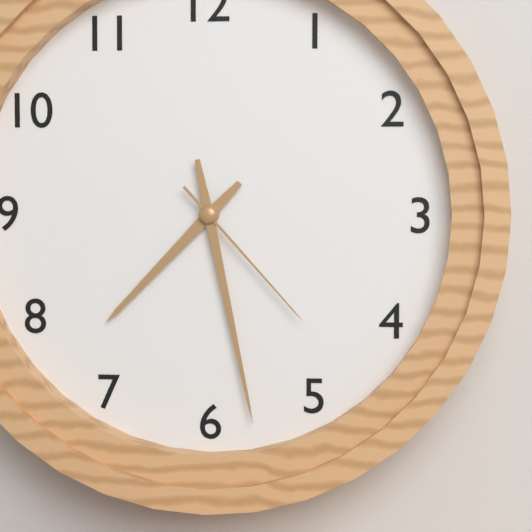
7:28:23
